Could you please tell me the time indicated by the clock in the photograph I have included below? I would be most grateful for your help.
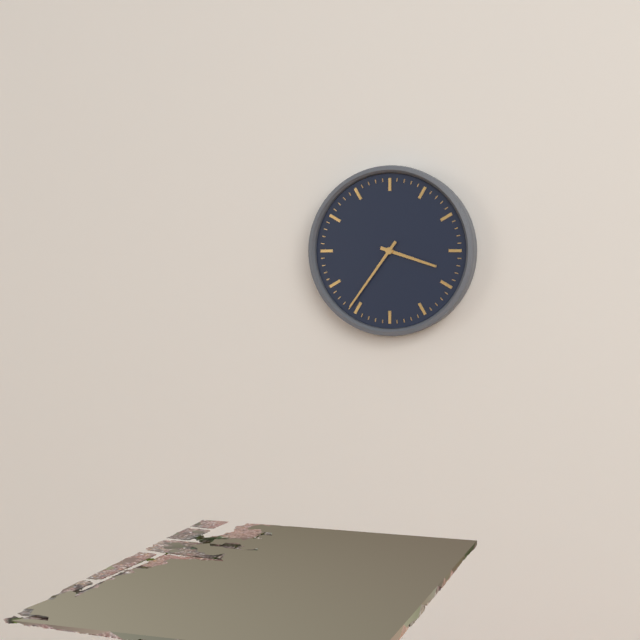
3:36
